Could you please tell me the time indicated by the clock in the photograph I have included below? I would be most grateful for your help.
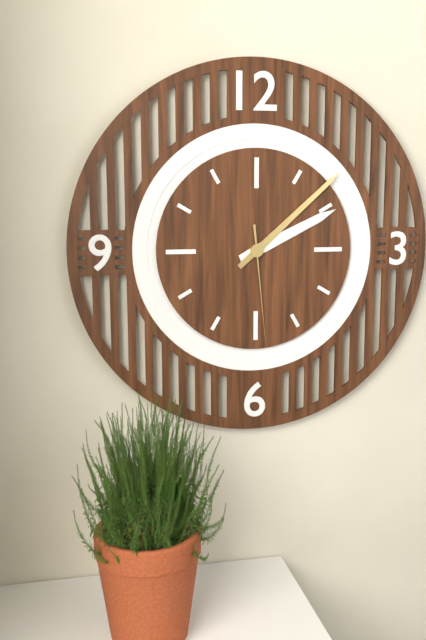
2:08:29
